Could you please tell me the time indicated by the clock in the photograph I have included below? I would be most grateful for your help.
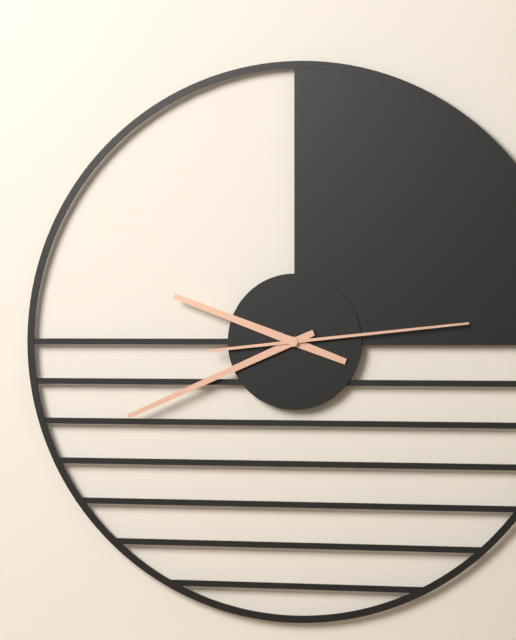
9:41:14
